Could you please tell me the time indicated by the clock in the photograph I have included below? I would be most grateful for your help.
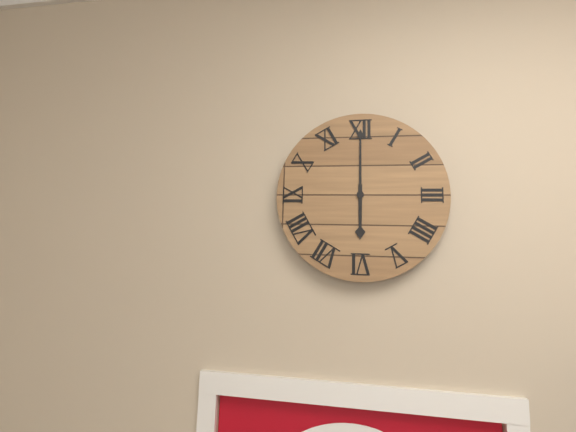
6:00
